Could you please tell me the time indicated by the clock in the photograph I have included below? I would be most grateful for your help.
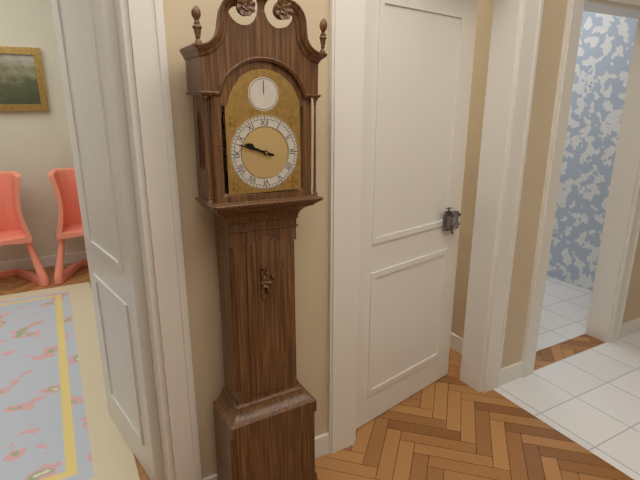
9:48
